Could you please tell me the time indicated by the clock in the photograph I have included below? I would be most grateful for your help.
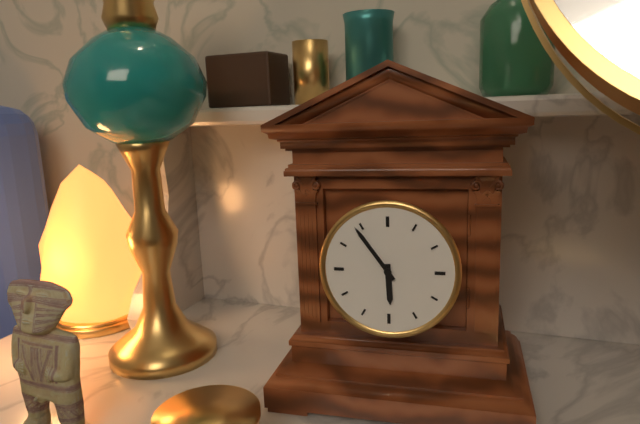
5:54
